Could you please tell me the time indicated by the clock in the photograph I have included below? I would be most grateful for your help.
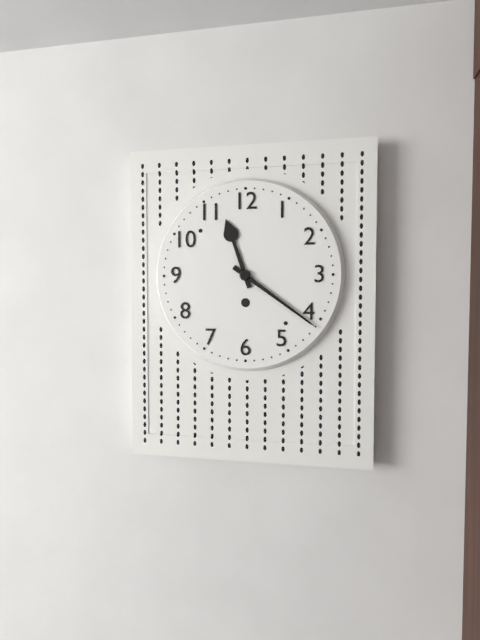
11:21
